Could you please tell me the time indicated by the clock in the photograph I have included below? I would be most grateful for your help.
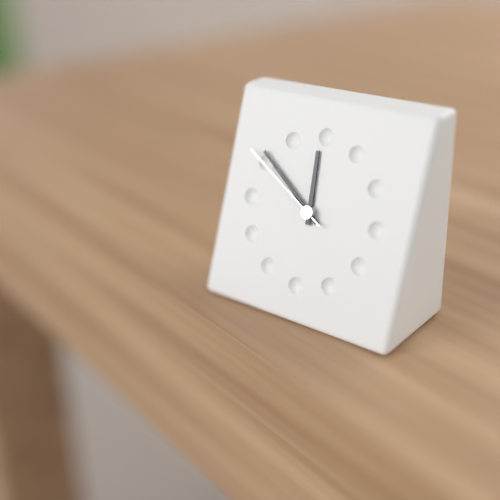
11:51:50
